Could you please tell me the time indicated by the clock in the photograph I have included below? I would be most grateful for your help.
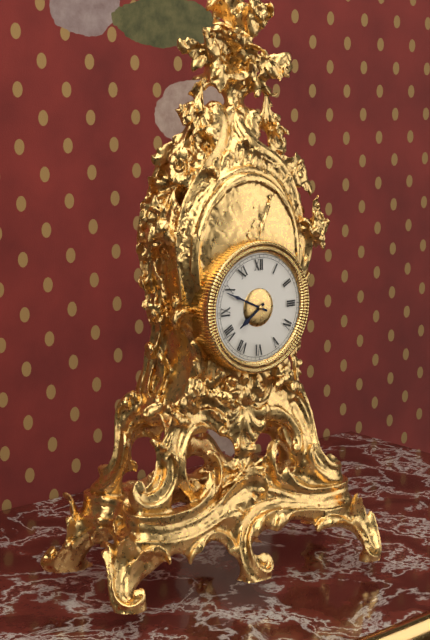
7:49
